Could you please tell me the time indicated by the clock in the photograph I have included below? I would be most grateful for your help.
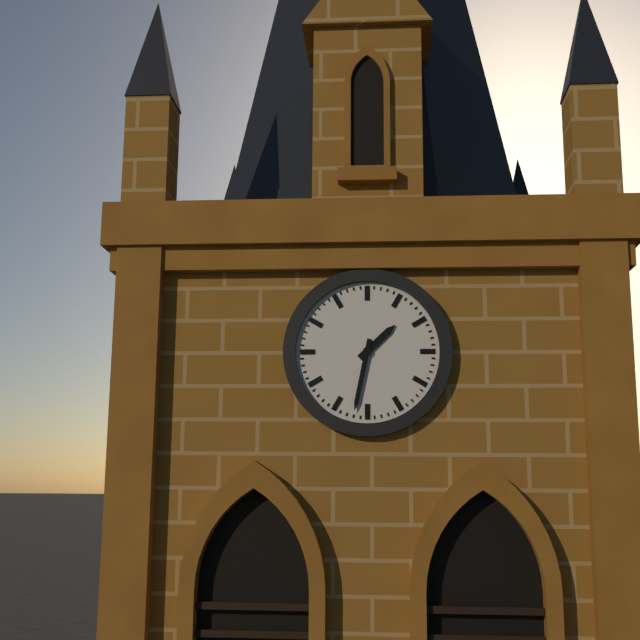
1:32
